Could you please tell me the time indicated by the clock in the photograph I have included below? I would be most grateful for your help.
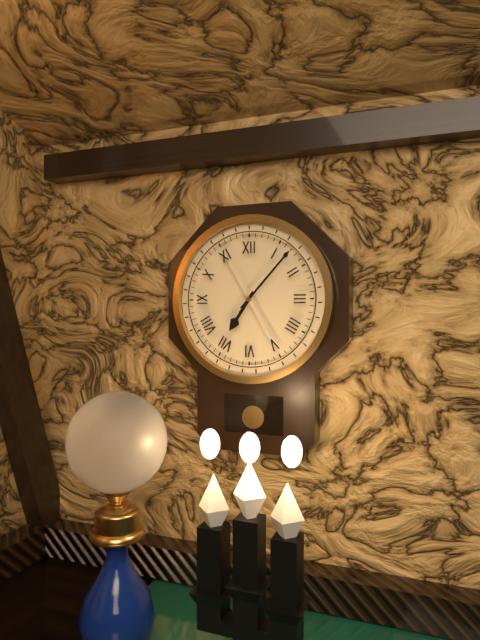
7:07
